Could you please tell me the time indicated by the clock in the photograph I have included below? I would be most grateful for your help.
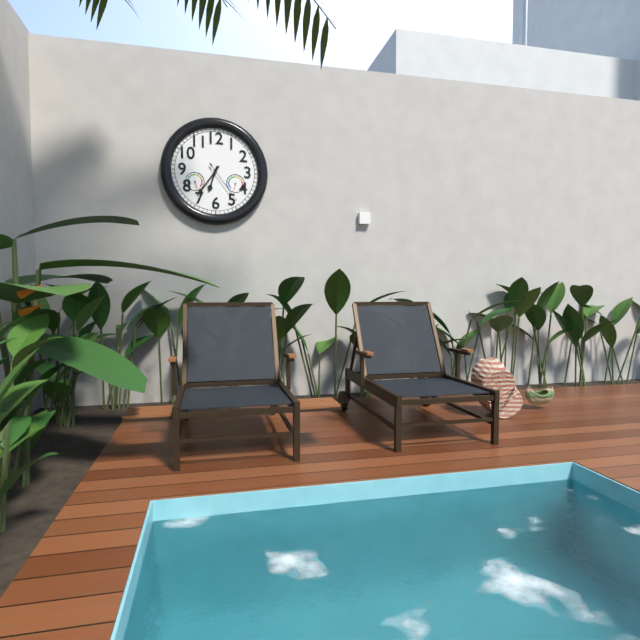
6:36
